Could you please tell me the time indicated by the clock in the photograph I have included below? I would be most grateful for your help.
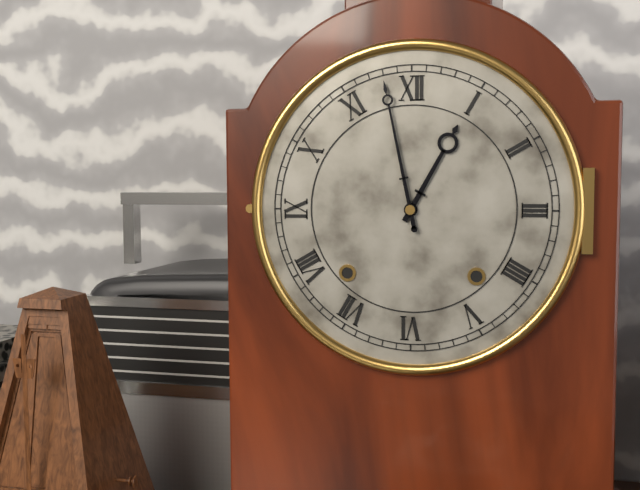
12:58
